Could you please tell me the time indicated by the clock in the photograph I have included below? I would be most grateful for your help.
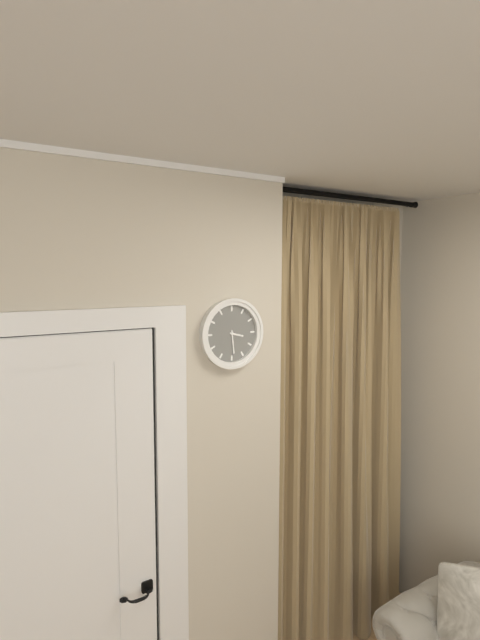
3:29
